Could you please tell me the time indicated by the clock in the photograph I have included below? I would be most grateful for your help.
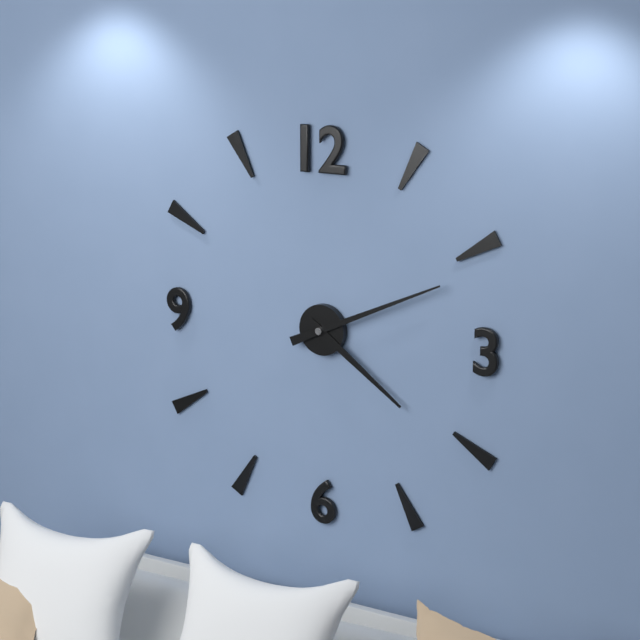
4:11
